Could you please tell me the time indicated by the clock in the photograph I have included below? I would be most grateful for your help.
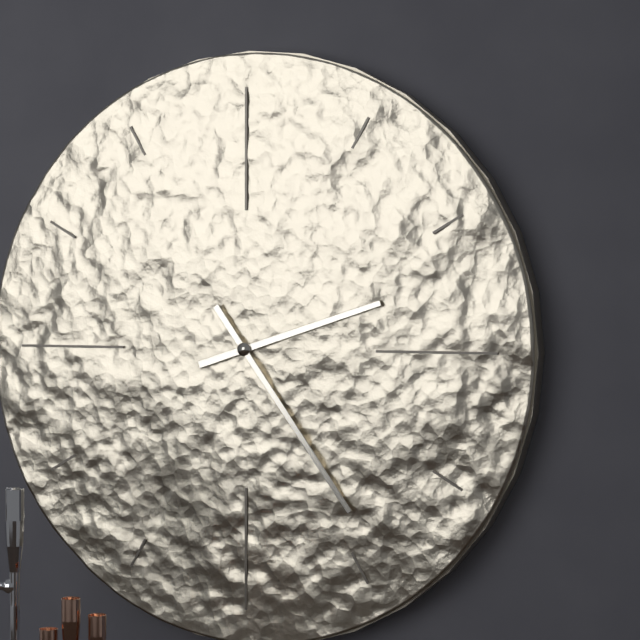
2:24
